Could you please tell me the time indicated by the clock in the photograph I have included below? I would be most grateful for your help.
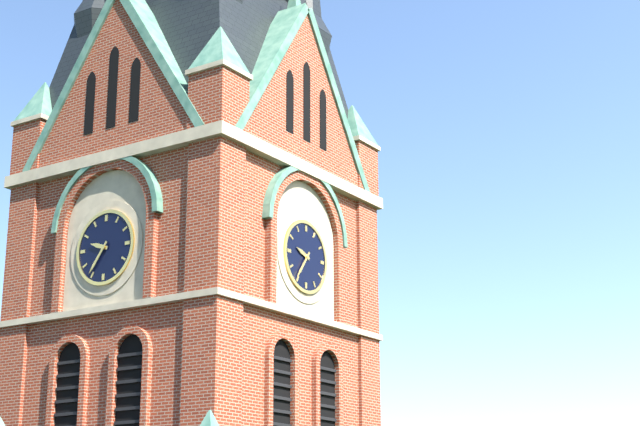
9:36
